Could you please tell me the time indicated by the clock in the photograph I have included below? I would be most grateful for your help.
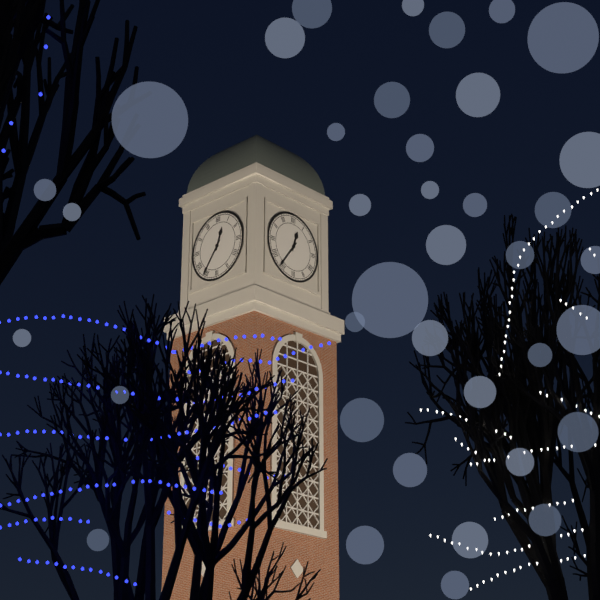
12:36
